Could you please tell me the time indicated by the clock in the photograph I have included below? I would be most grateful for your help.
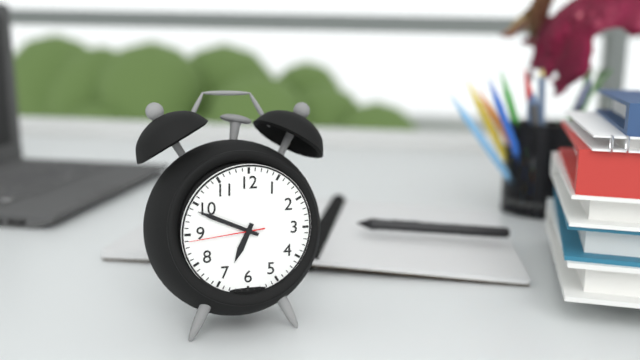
6:49:44
